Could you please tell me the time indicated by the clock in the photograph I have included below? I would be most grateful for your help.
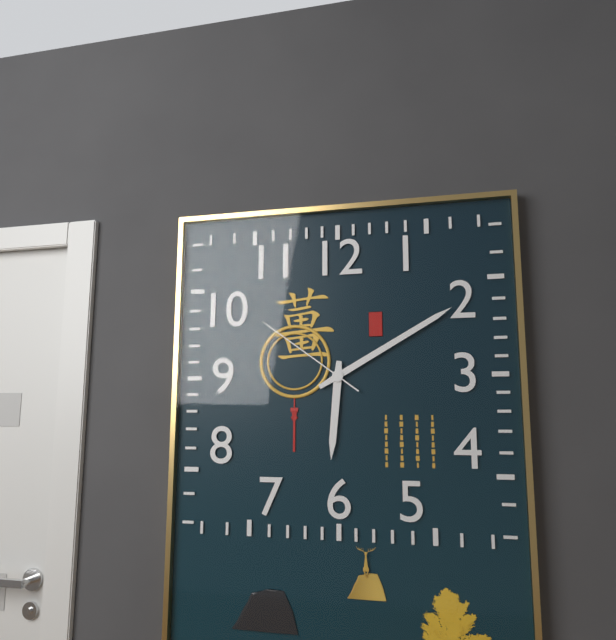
6:10:51
